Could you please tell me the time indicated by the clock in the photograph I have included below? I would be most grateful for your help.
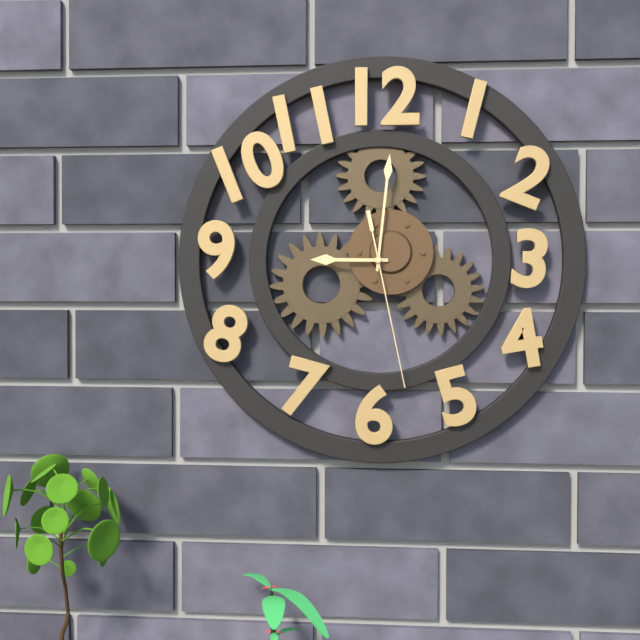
9:01:28
